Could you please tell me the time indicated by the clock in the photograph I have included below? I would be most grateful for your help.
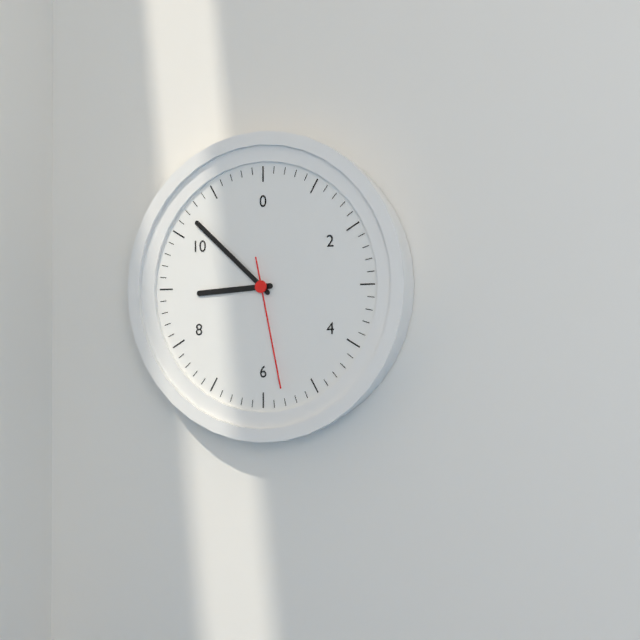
8:52:28
